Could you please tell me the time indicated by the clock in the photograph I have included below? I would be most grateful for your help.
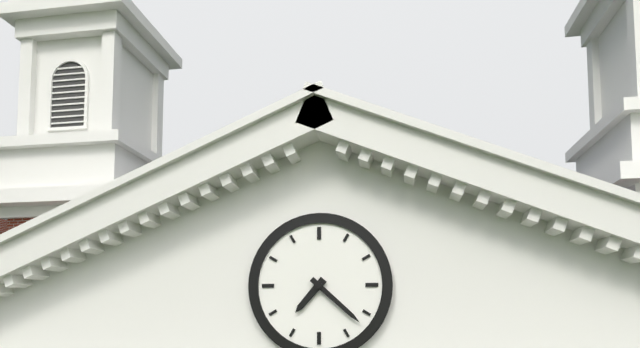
7:22
